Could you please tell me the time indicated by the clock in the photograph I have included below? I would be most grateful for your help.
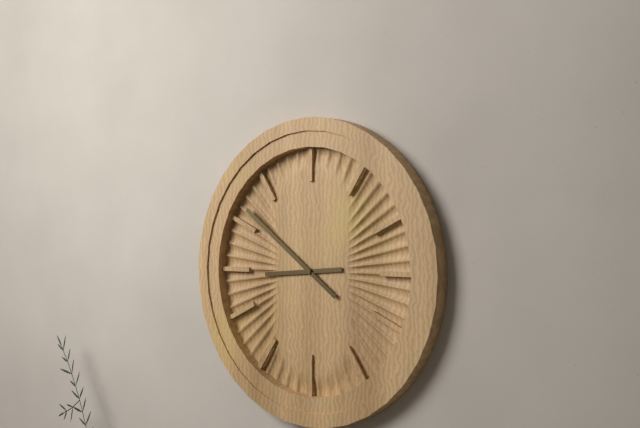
8:51
